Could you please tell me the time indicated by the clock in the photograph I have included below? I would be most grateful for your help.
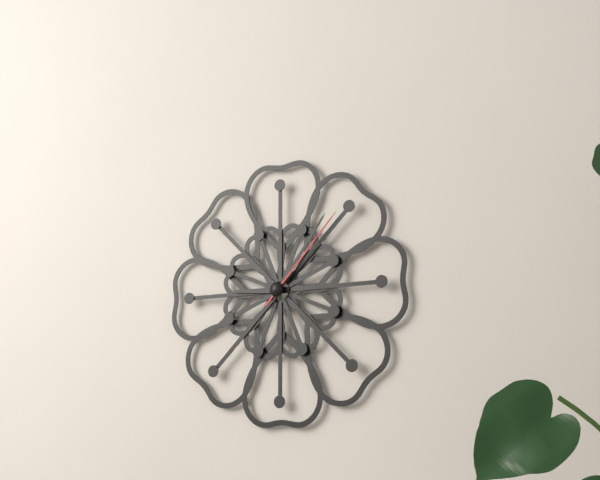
9:06:07
